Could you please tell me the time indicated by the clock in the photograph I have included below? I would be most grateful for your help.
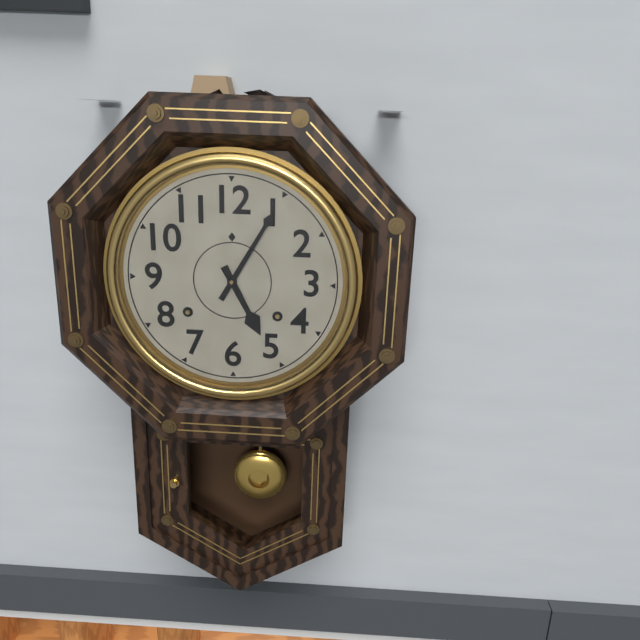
5:05
